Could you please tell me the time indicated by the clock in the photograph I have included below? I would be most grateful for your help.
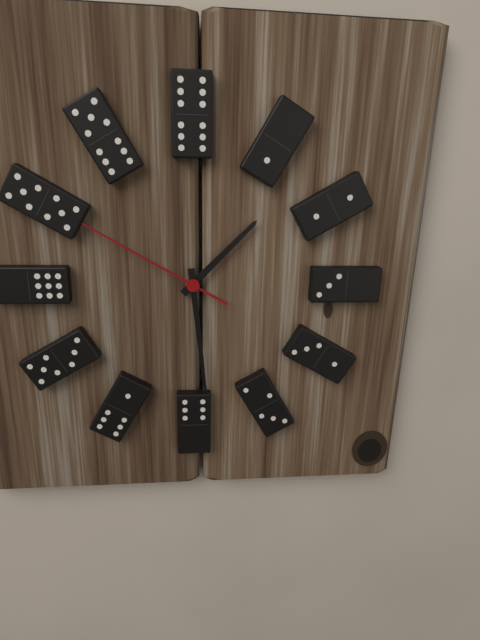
1:29:50
